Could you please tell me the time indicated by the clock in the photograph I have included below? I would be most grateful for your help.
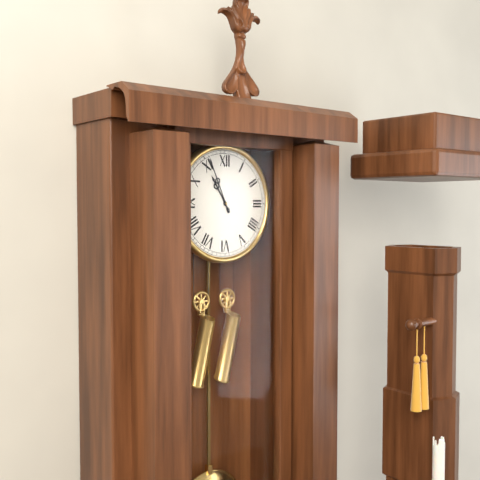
10:56
